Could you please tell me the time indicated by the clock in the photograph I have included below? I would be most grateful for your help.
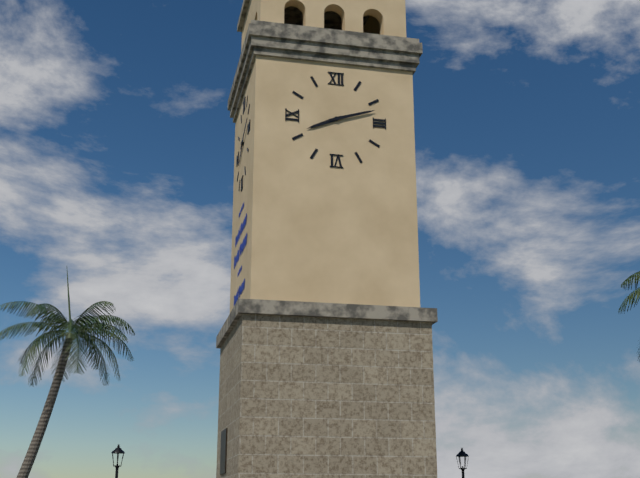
8:12
